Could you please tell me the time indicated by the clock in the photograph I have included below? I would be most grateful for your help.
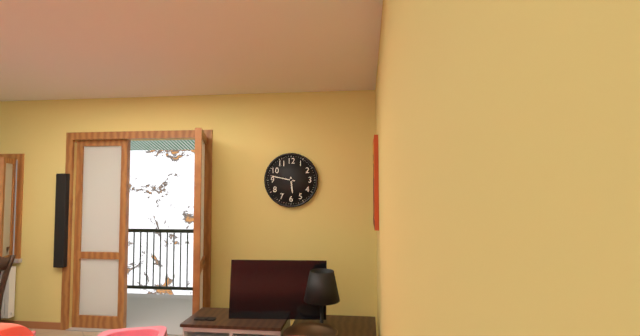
5:47
